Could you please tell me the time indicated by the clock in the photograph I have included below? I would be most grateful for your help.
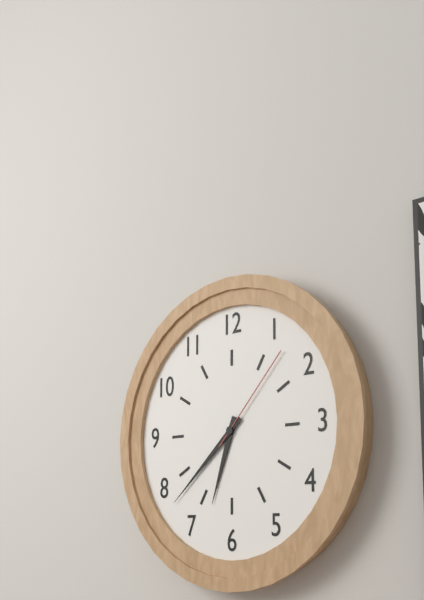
6:38:07
